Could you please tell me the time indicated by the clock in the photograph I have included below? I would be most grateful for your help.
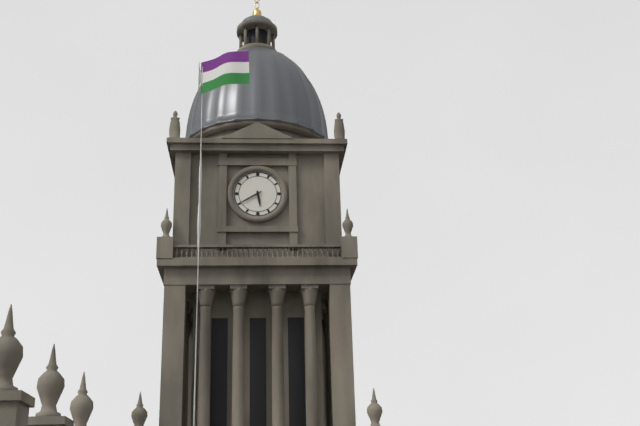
5:40
